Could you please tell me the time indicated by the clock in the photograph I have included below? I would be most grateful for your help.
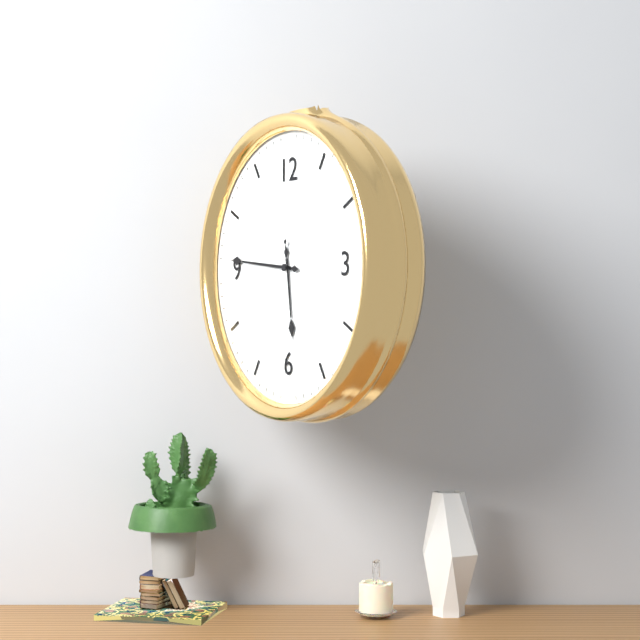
5:46:30
